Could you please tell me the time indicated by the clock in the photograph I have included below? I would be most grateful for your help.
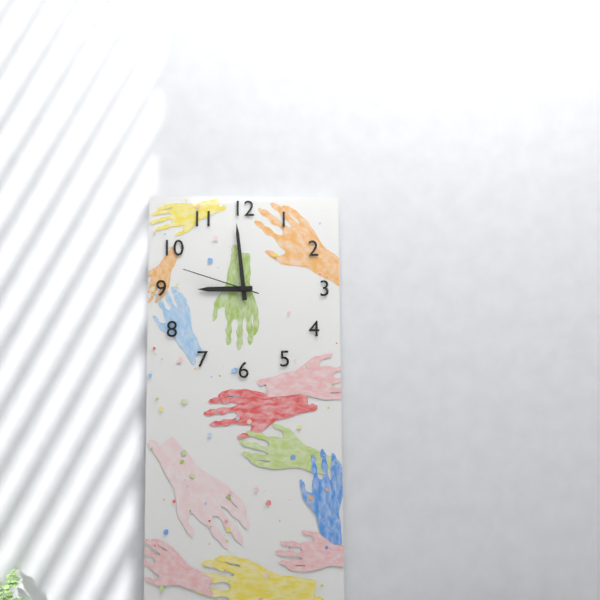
8:59:48
